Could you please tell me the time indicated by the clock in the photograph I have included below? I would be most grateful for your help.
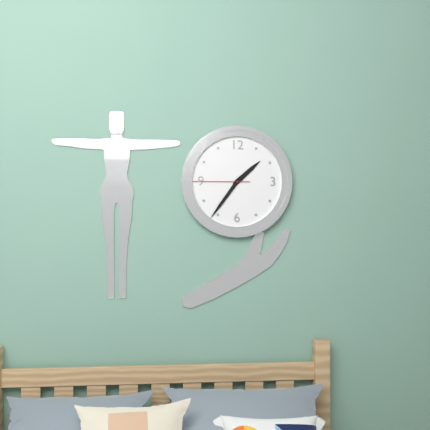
1:36:45
